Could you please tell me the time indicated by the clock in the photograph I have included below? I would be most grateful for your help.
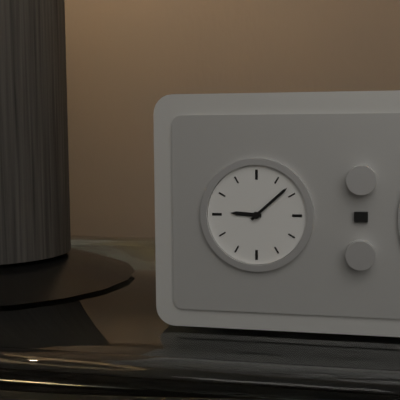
9:08
